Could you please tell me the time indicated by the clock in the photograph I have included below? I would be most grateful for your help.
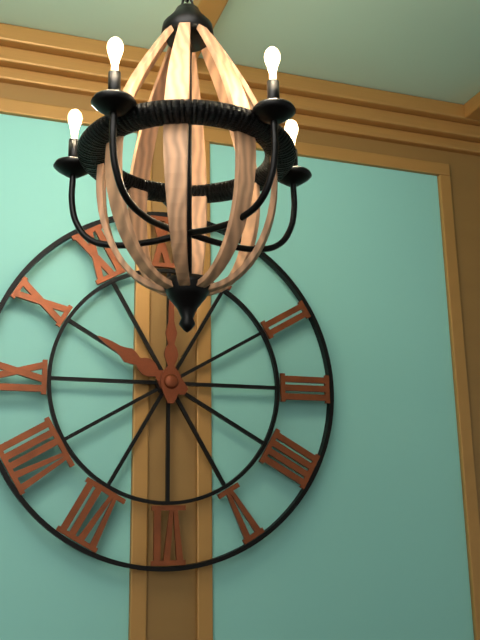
10:00
